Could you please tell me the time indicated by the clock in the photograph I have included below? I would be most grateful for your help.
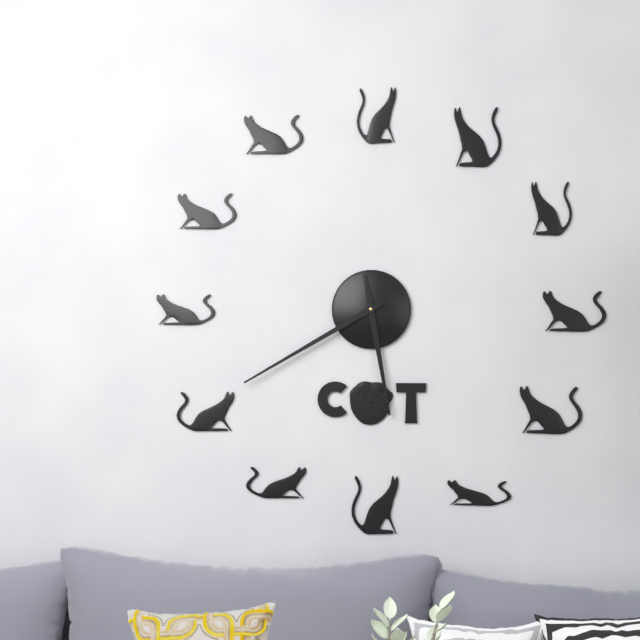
5:40
